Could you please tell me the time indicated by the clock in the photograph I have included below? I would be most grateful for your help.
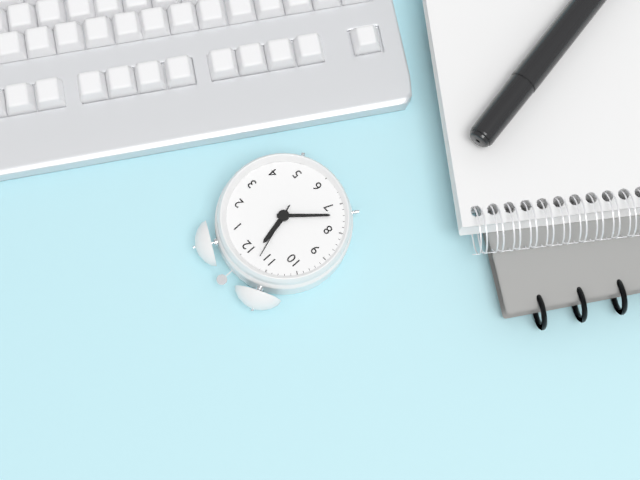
11:37:57
